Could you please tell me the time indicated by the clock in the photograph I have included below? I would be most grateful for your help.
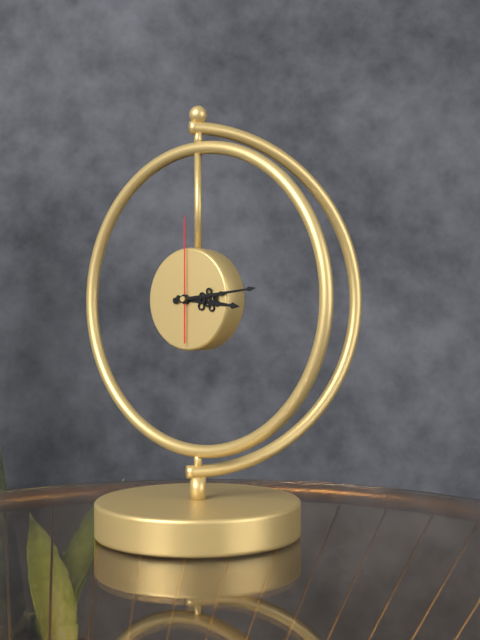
3:14:00
